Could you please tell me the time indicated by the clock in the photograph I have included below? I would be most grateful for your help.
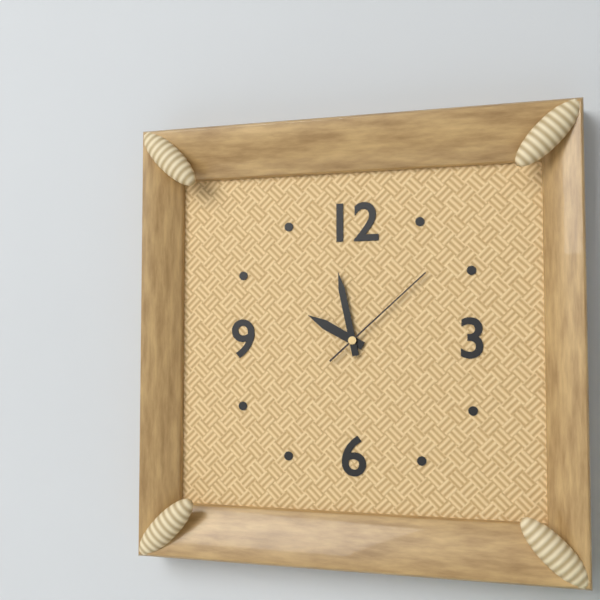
9:58:08
